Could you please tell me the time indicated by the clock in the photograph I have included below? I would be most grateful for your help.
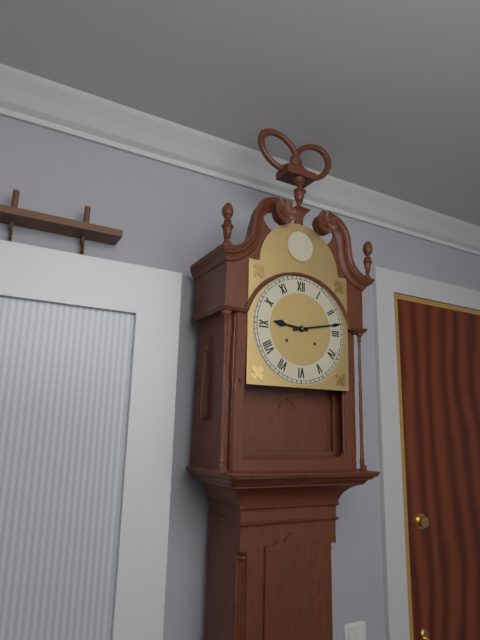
9:13
